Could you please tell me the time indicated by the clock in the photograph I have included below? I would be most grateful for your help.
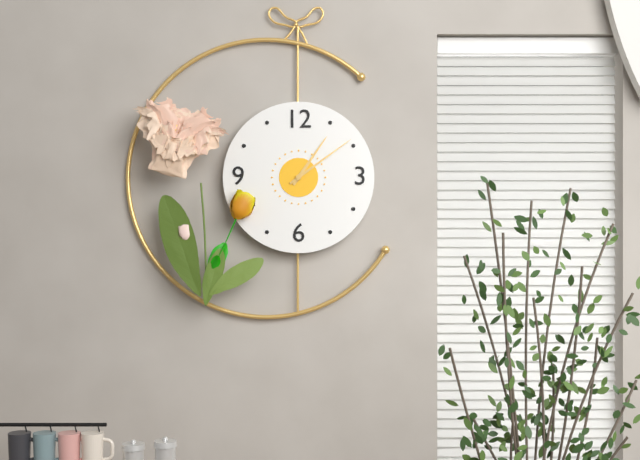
1:09
